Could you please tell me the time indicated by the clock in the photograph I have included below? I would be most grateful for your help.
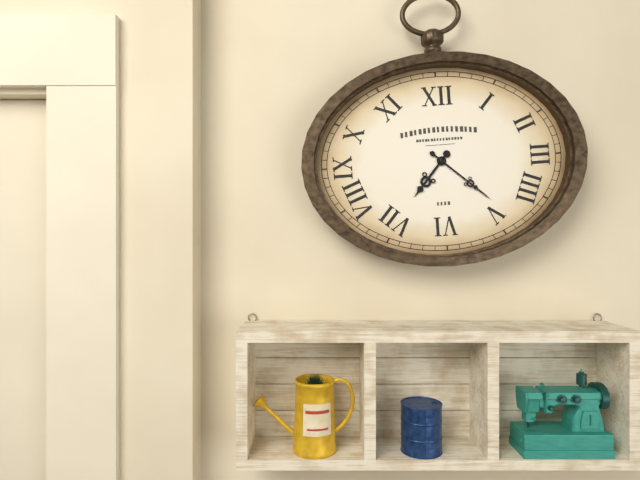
7:22
